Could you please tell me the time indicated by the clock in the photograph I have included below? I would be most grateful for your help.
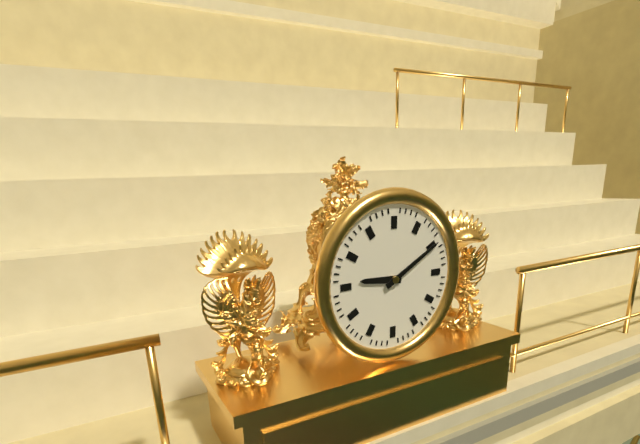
9:10
